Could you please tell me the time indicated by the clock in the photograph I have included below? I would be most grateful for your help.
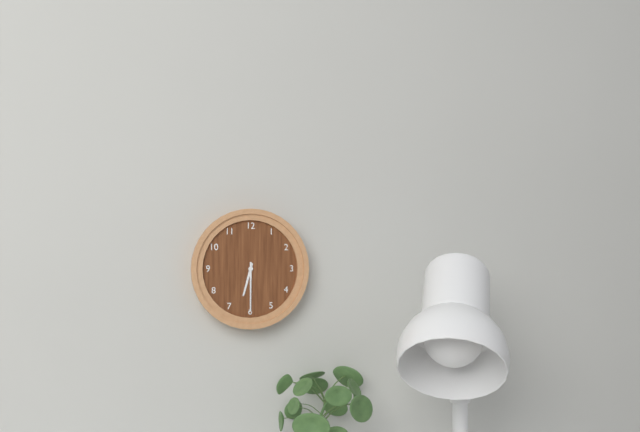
6:30
